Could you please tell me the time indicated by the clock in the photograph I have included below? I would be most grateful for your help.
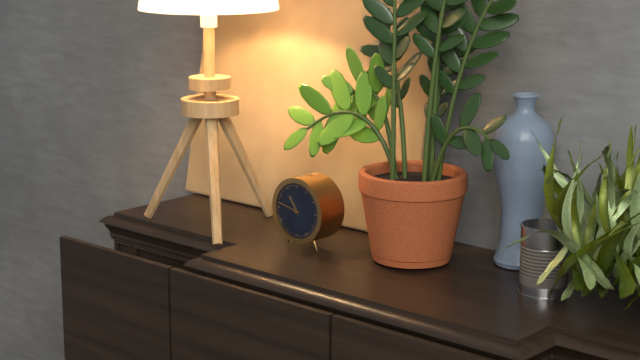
10:47
